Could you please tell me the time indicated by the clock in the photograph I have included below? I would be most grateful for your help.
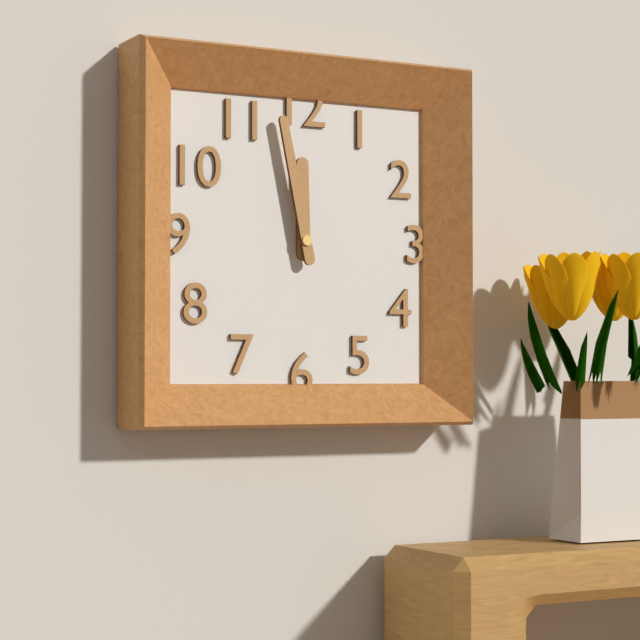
11:58
